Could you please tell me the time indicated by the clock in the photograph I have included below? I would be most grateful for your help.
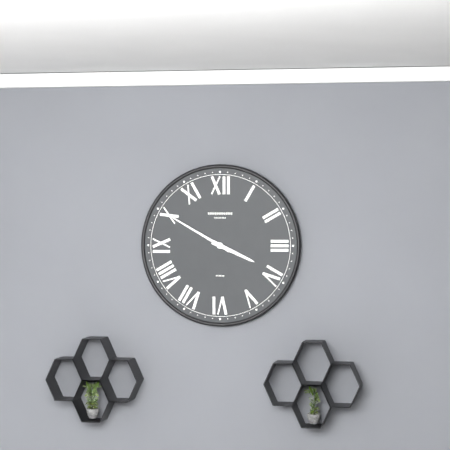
3:50
